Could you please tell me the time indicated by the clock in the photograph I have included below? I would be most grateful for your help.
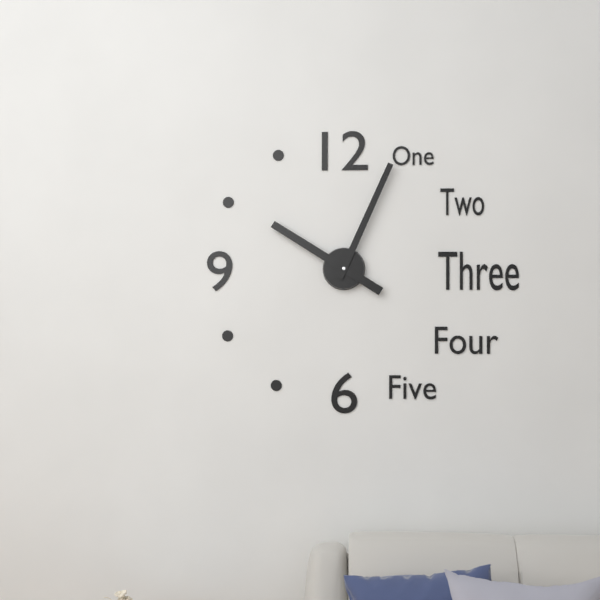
10:04
